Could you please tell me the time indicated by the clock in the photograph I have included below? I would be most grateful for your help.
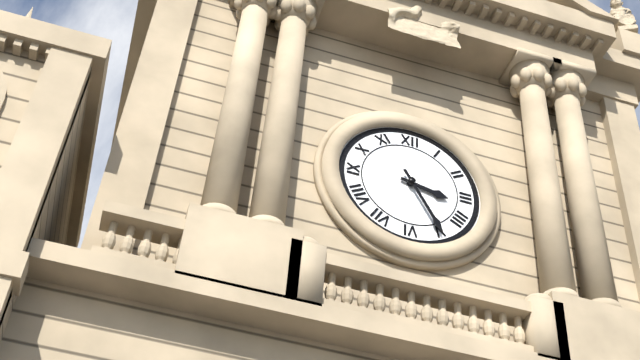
3:25
